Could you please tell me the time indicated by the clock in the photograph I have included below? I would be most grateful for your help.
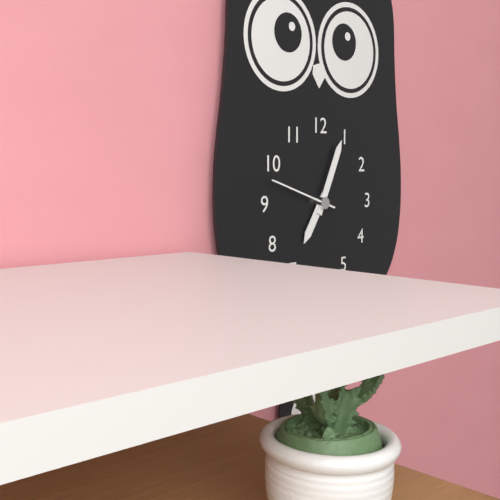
7:04:48
